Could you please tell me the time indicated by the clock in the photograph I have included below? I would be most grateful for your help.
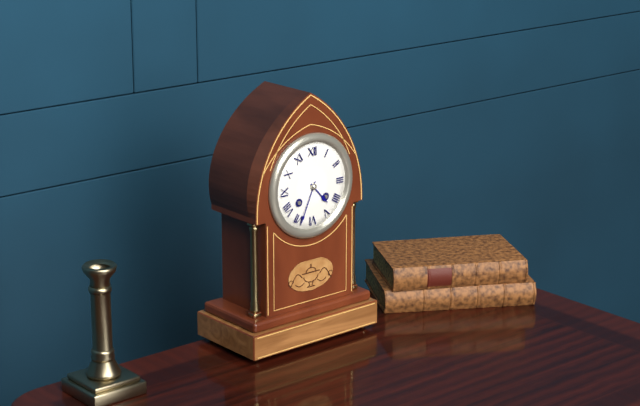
4:34
